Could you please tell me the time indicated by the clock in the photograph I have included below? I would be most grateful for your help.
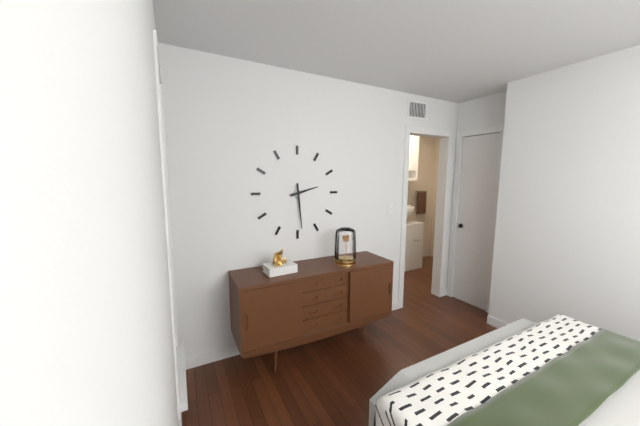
2:29
